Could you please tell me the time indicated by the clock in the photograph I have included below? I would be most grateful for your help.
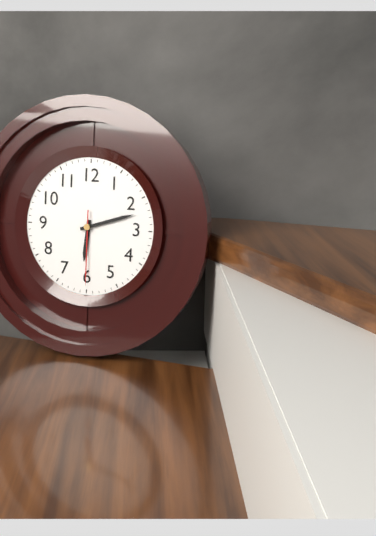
6:12:30
